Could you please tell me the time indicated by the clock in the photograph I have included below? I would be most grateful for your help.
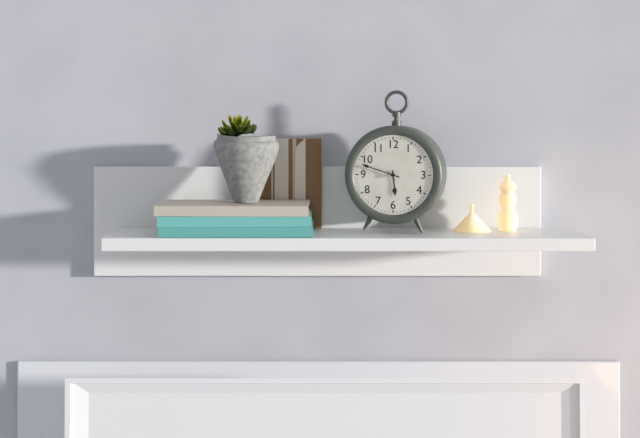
5:48
